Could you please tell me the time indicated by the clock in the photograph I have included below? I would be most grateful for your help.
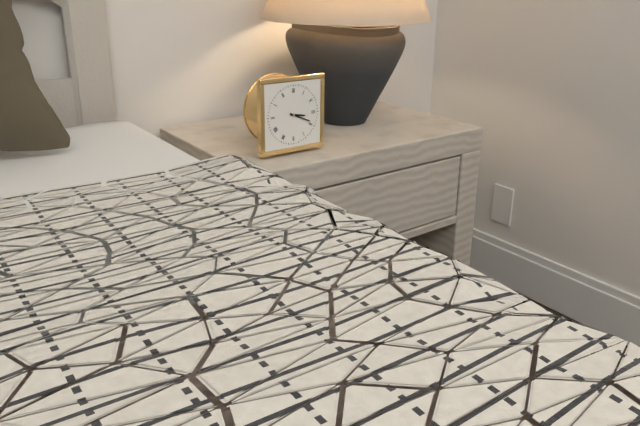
3:19
